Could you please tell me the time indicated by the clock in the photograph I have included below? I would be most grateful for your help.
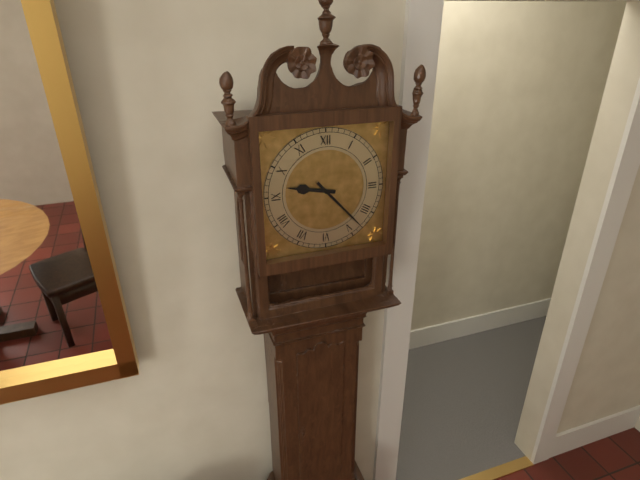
9:23
